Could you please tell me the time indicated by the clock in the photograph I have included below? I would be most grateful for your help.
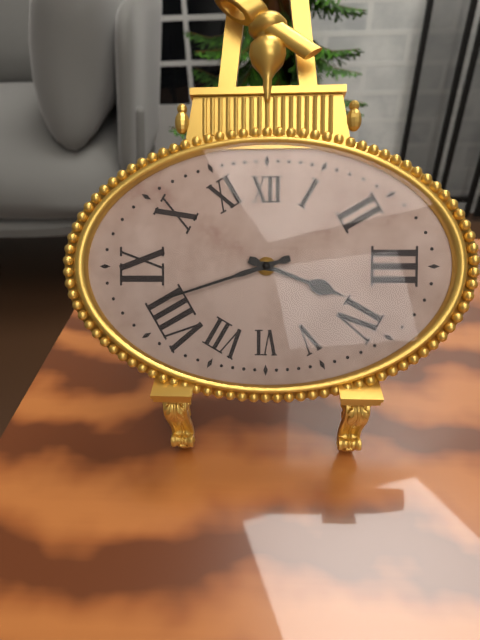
3:42
